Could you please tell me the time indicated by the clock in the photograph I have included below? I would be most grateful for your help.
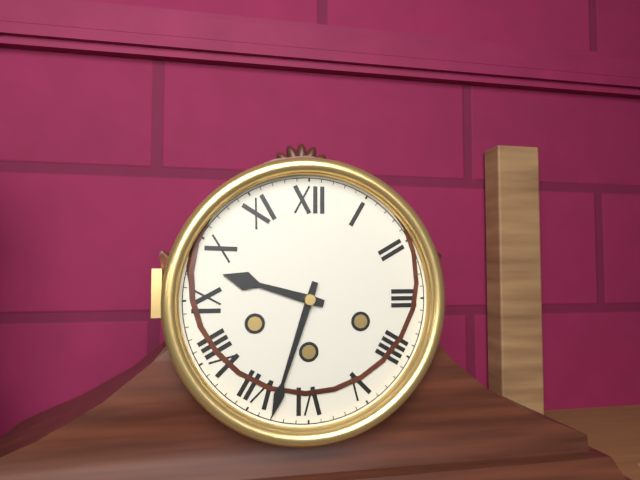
9:33
